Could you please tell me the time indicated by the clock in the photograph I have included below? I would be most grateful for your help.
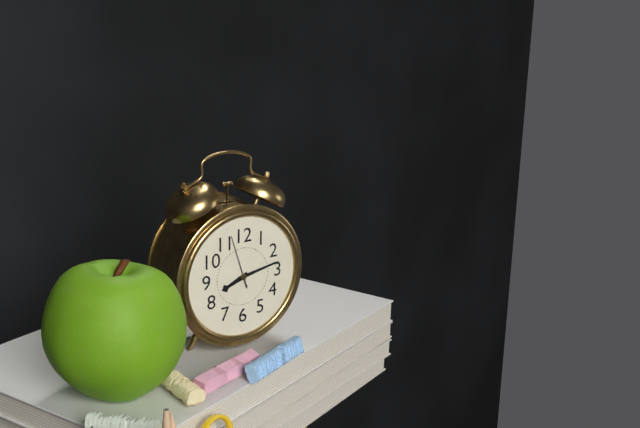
8:13:57
